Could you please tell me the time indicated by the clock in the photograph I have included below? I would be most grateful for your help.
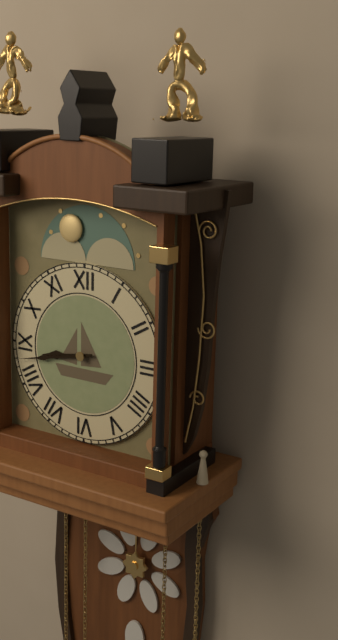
8:43
